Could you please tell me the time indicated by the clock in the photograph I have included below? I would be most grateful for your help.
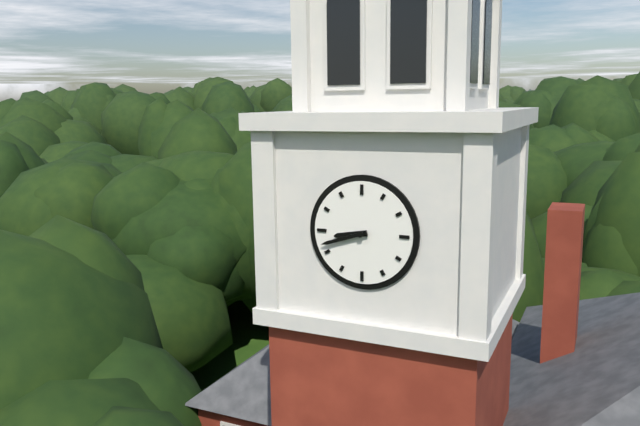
8:42
